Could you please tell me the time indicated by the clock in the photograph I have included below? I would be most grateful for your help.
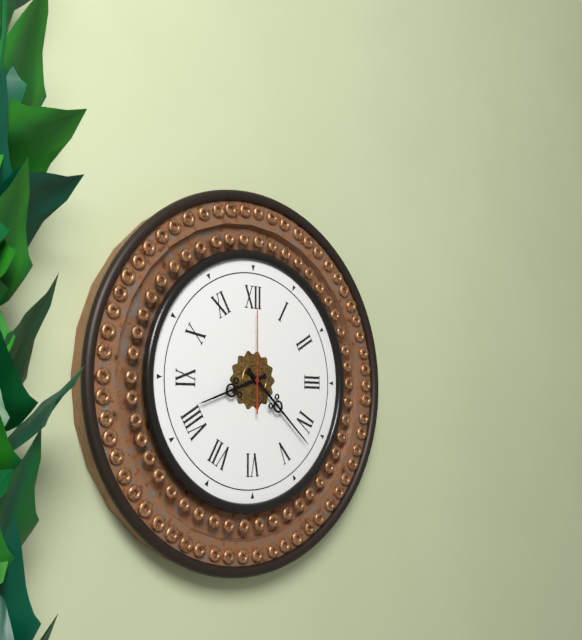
8:22:00
